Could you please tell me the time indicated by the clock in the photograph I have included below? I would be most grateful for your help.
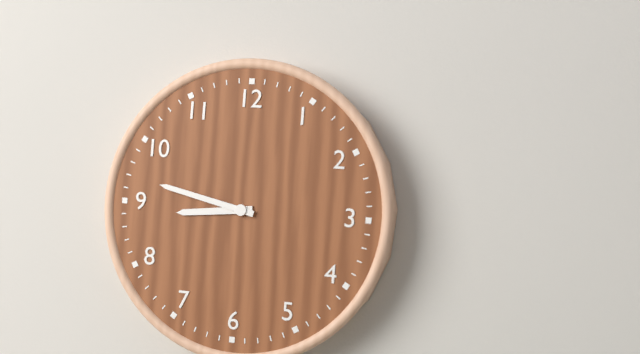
8:47
